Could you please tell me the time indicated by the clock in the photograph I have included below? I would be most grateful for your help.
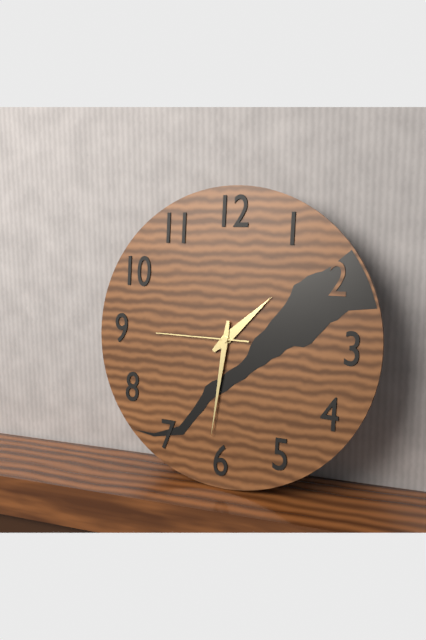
1:31:45
